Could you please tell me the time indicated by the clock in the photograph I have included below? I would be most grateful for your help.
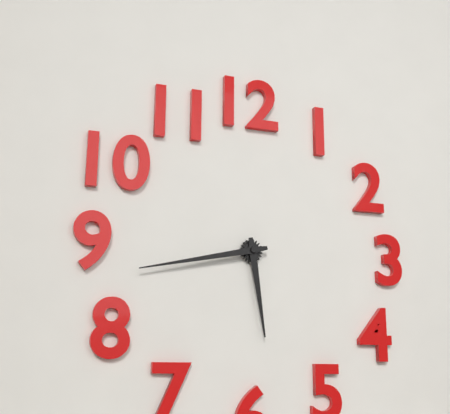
5:43
